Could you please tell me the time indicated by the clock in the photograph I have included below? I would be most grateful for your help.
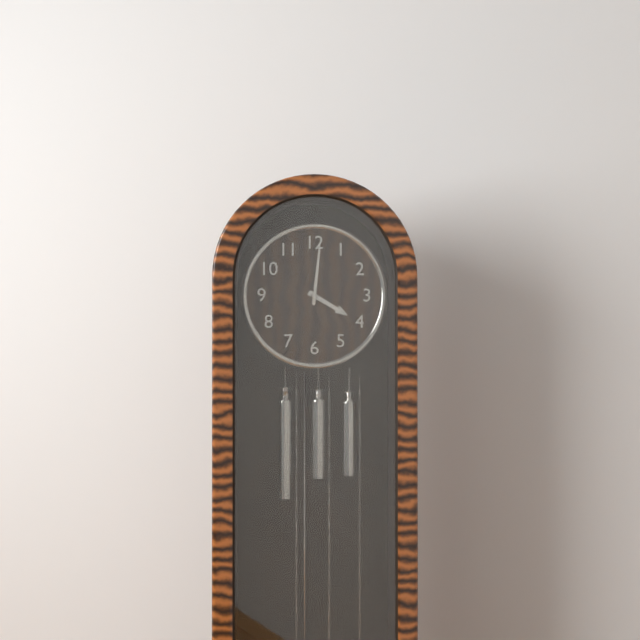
4:01
